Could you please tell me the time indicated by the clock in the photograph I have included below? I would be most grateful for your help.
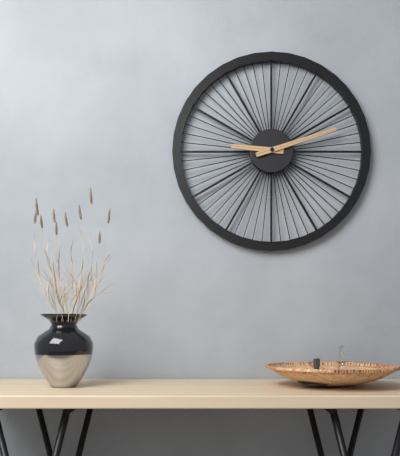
9:12
